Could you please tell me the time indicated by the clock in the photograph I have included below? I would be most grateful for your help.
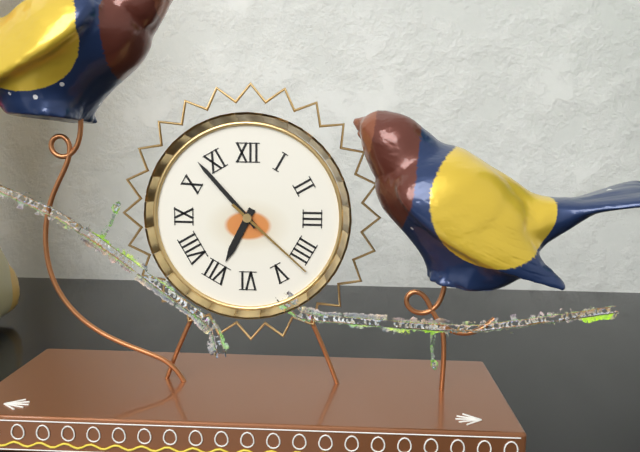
6:53:22
